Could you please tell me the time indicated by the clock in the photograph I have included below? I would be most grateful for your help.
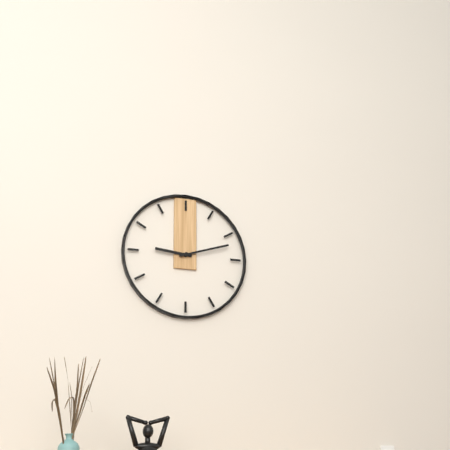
9:12
